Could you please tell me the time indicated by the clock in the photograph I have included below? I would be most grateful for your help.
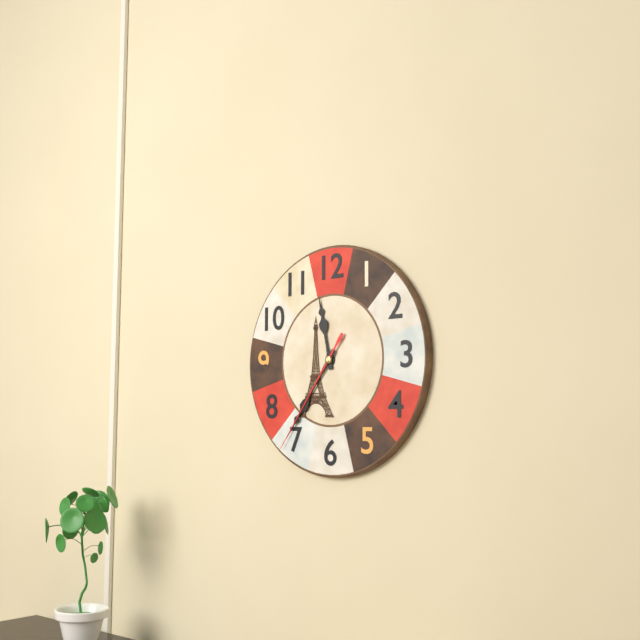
11:36:36
